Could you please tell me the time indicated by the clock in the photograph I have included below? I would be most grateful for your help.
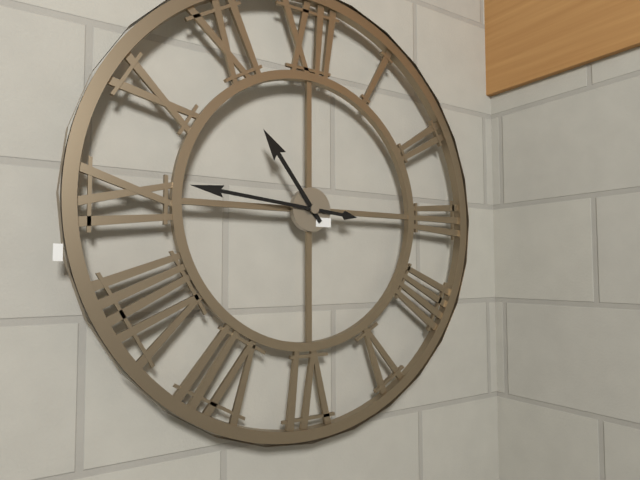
10:46
